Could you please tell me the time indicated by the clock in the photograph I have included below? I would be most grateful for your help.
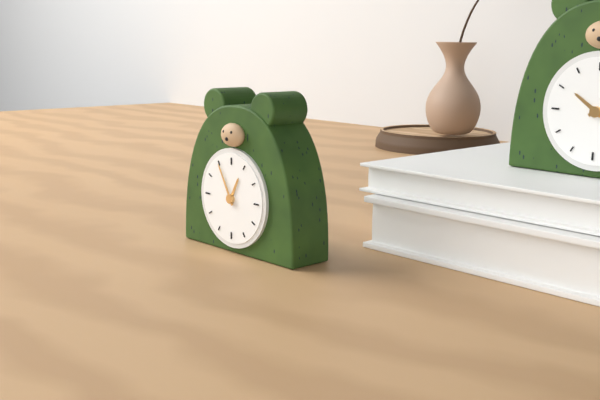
12:55
